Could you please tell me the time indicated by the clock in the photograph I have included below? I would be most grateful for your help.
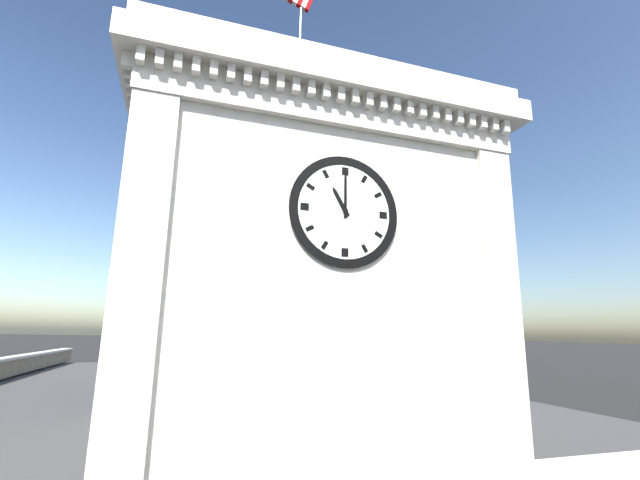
11:00
